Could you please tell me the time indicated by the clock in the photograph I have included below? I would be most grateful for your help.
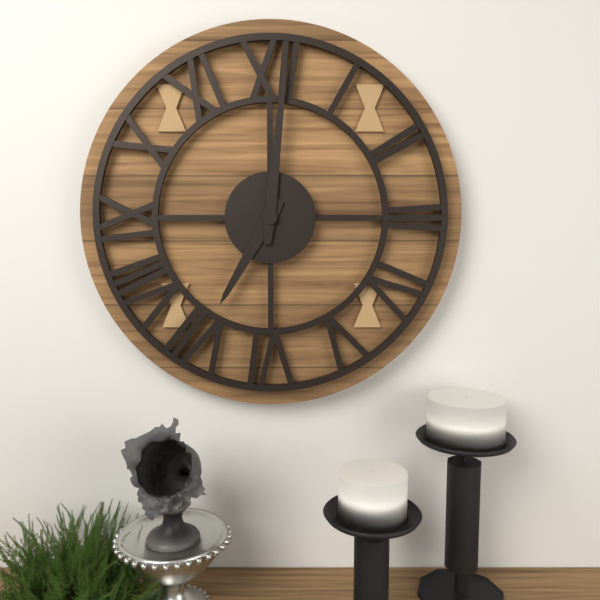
7:01
